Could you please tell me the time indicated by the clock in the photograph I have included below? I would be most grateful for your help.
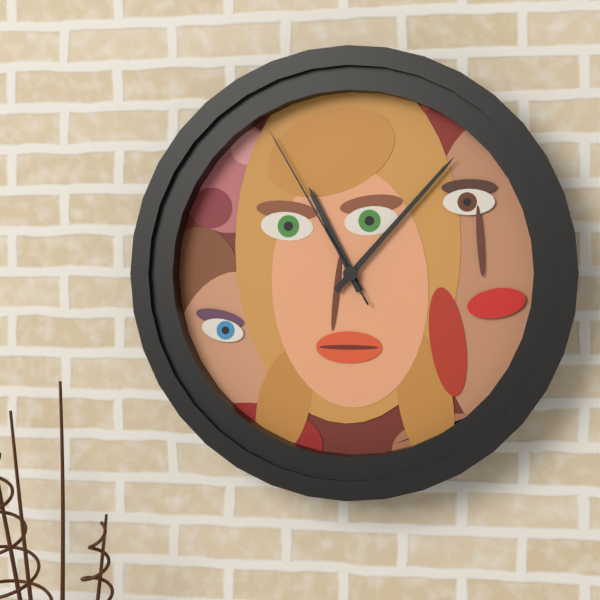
11:07:55
